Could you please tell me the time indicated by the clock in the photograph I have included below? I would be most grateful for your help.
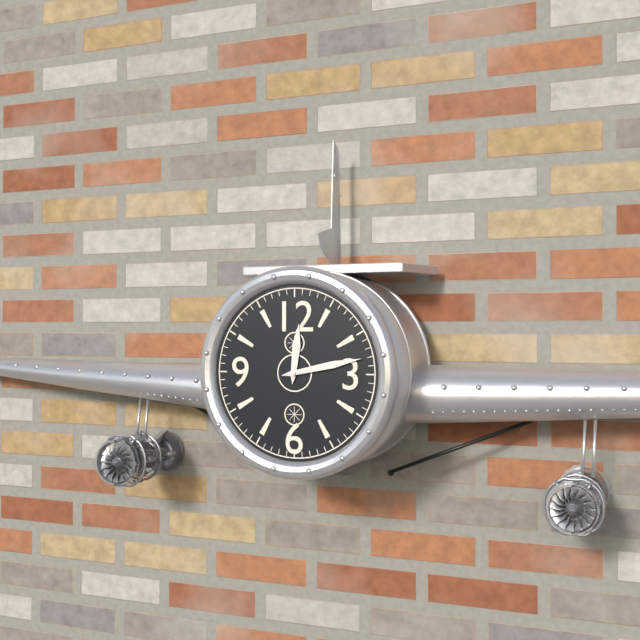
12:13
